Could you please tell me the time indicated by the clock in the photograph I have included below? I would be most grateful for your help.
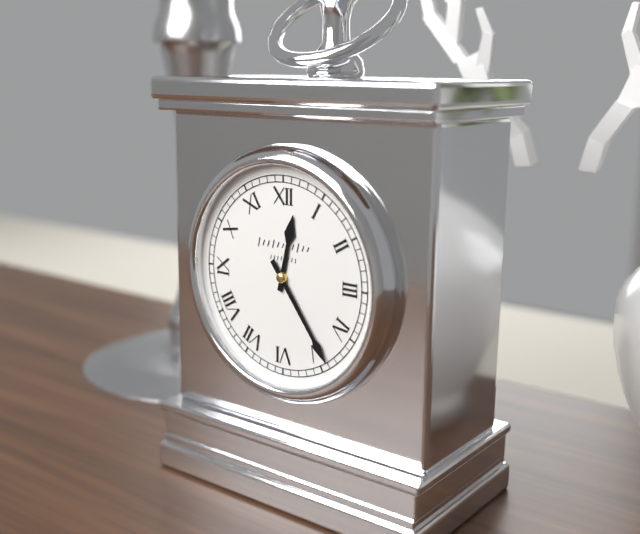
12:24
